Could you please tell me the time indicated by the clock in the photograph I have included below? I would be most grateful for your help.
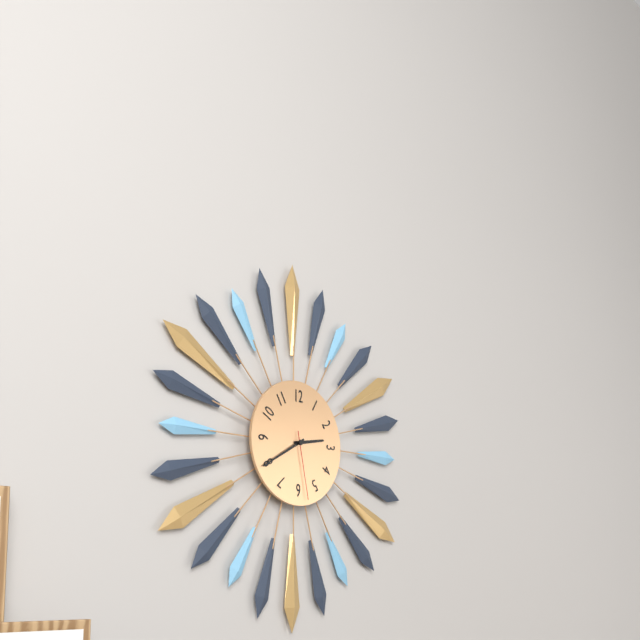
2:40:28
